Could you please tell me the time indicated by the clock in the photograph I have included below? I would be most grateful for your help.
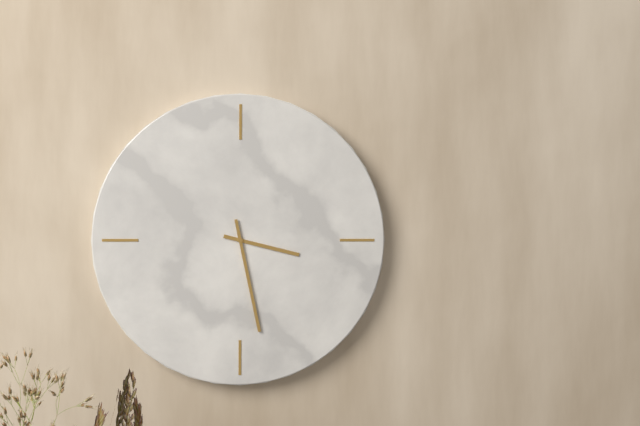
3:28
